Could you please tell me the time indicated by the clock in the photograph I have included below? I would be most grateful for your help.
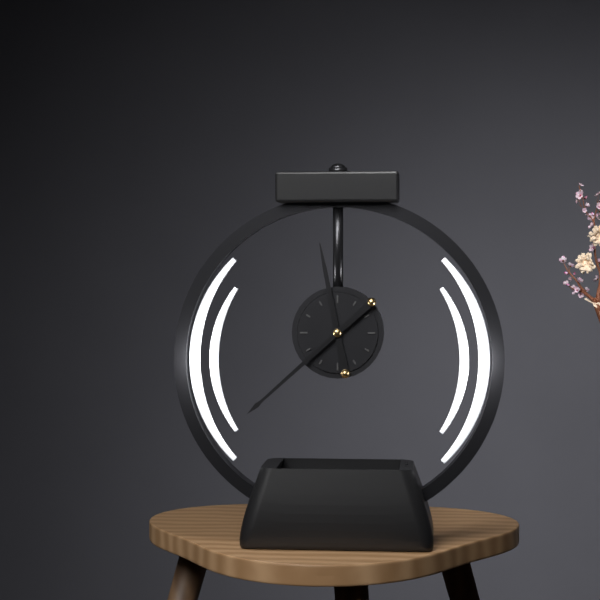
11:38
